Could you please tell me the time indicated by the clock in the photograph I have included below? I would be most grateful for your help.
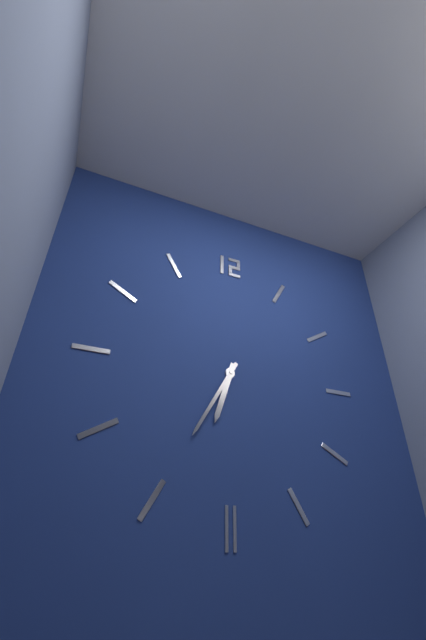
6:35
